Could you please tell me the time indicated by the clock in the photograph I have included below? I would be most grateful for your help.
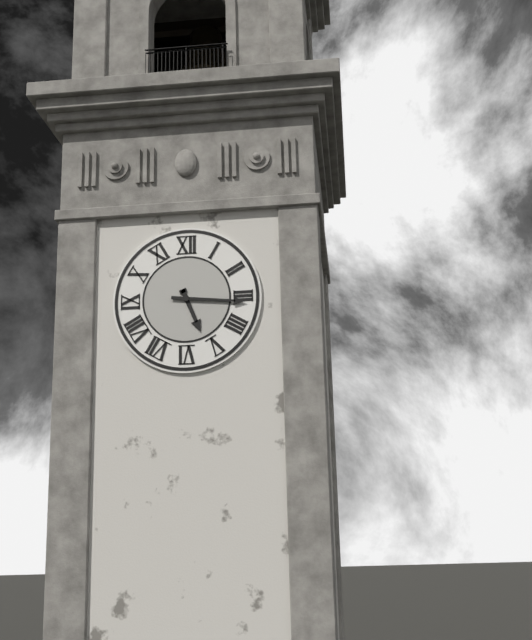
5:16
